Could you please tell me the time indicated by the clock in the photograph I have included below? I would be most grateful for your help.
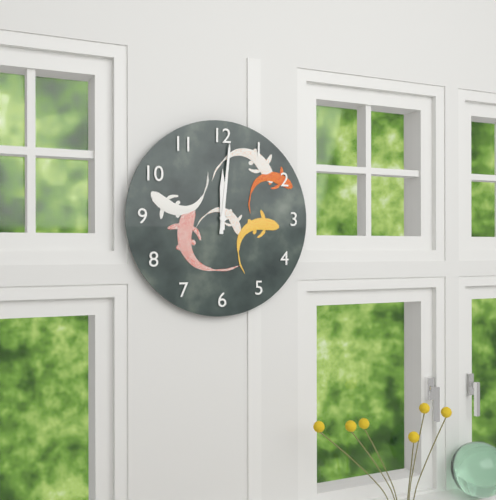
12:01
